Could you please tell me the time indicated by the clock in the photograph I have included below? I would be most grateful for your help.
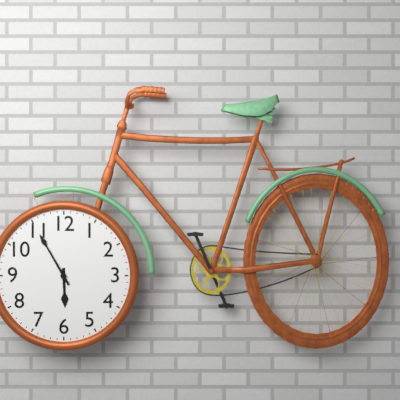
5:55
